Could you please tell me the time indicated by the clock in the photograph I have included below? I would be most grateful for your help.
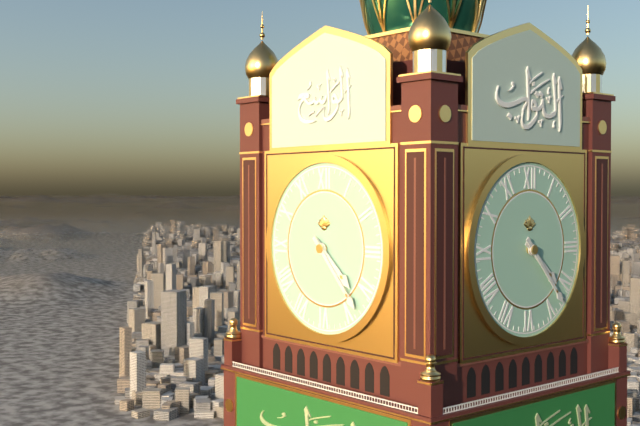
4:23
